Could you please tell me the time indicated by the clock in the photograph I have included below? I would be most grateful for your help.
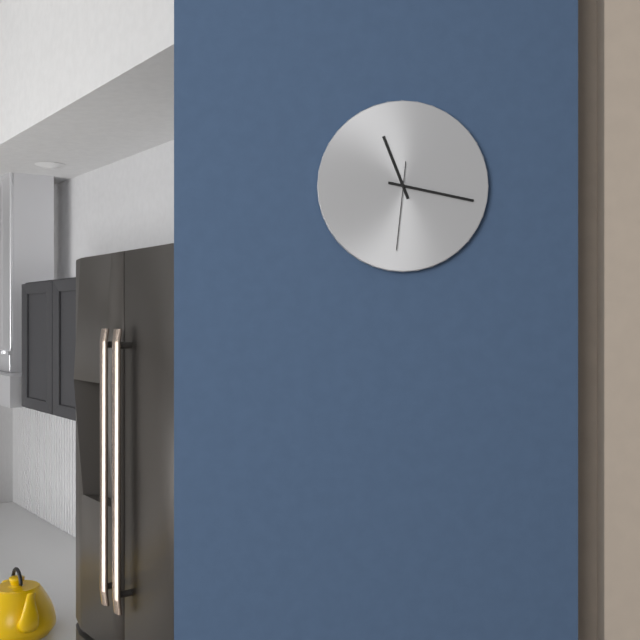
11:17:31
